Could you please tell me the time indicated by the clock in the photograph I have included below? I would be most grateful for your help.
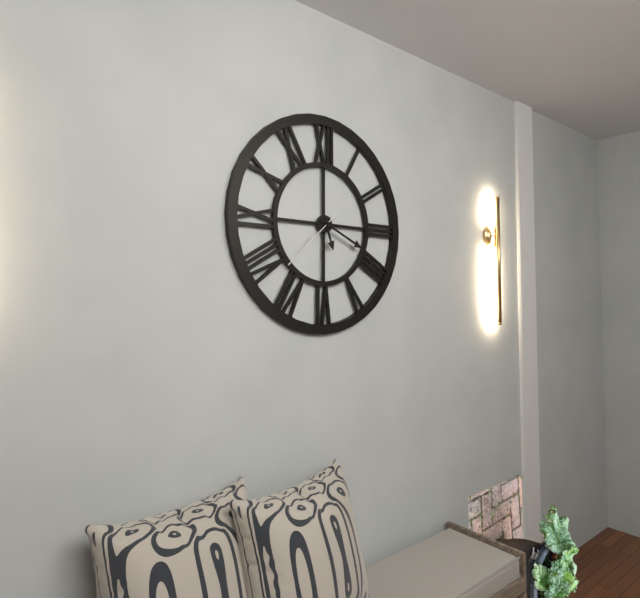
5:19:38
